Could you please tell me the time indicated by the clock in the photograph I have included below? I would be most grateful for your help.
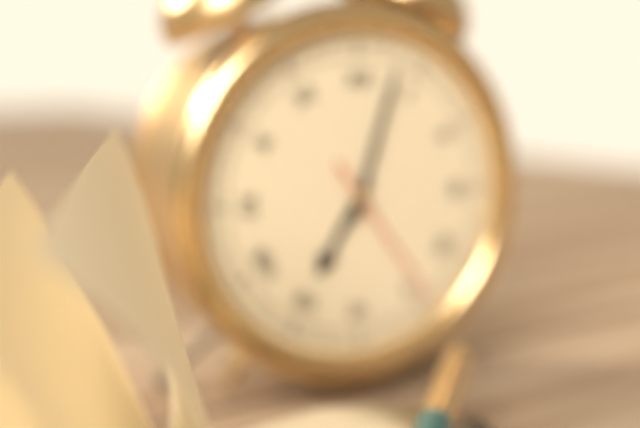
7:03:24
